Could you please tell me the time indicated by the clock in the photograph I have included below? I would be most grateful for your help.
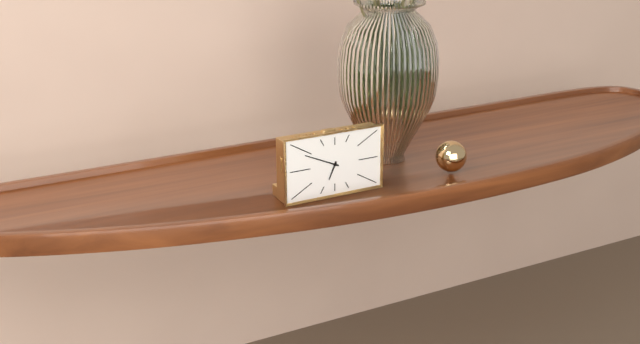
6:49
